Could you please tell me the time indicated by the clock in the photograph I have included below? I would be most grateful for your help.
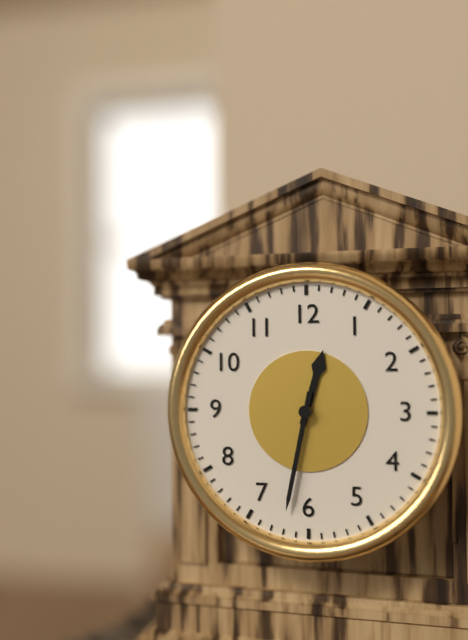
12:32
